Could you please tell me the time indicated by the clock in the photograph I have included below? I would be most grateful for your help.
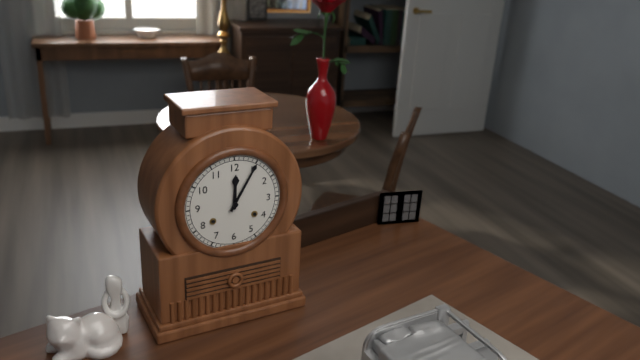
12:05
